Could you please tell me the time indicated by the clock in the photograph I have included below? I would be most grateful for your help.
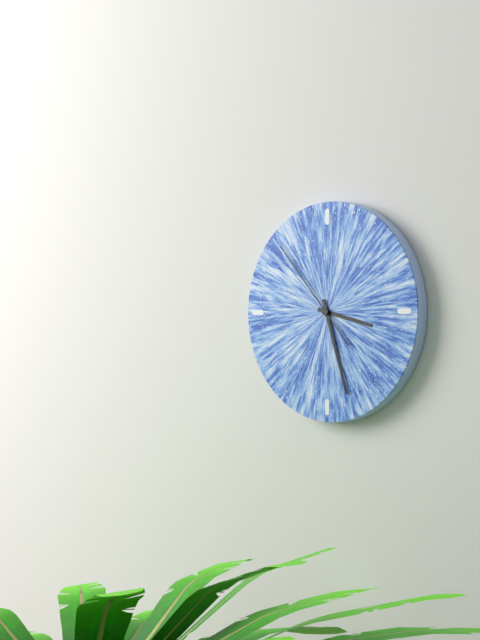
3:27:53
